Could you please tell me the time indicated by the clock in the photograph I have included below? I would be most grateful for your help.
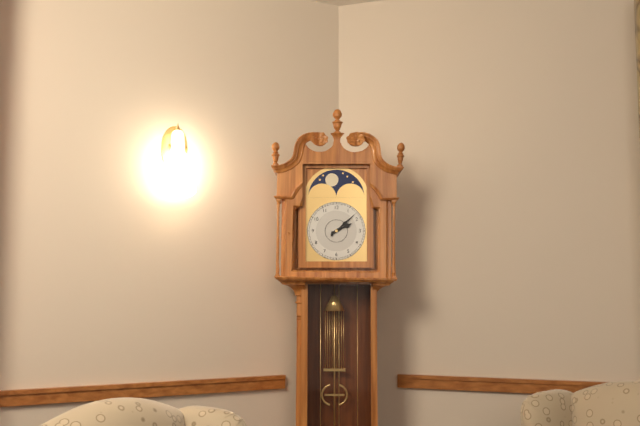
2:08
